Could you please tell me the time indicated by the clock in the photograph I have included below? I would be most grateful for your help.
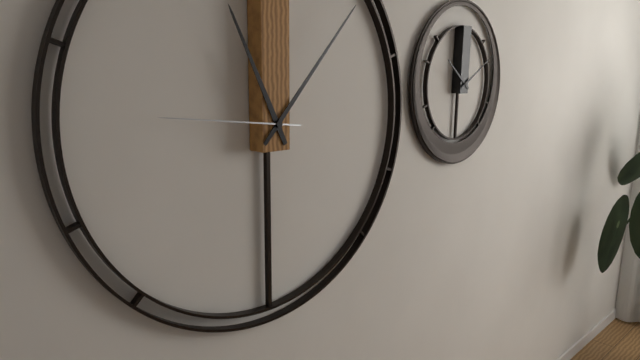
11:07:46
